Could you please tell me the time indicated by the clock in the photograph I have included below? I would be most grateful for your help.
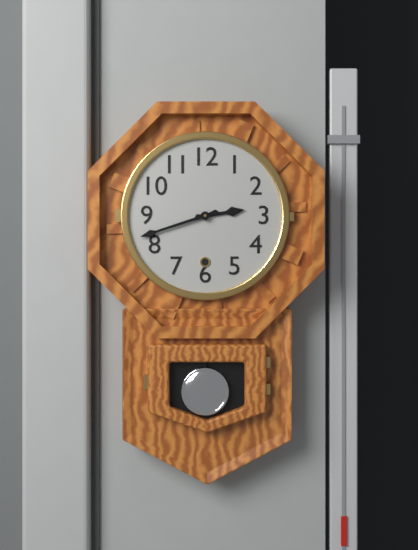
2:42
